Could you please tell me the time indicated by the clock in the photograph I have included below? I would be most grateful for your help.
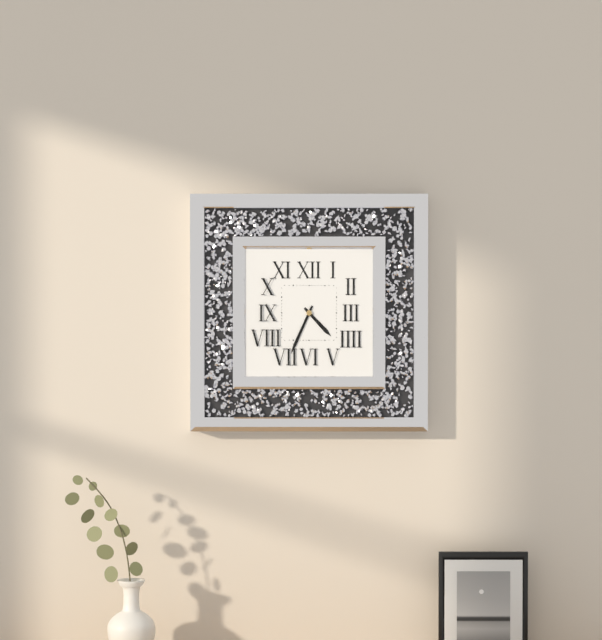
4:34
